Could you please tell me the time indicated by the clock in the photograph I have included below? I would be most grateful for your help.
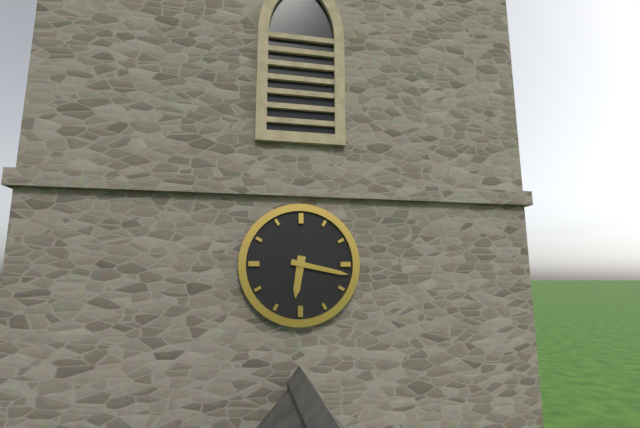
6:17
